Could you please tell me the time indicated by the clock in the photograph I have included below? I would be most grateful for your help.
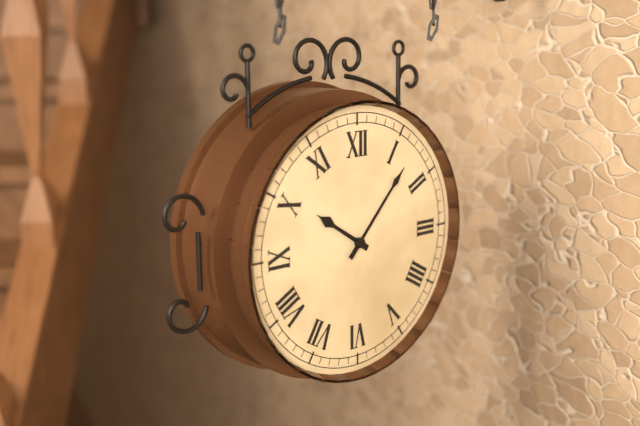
10:07
